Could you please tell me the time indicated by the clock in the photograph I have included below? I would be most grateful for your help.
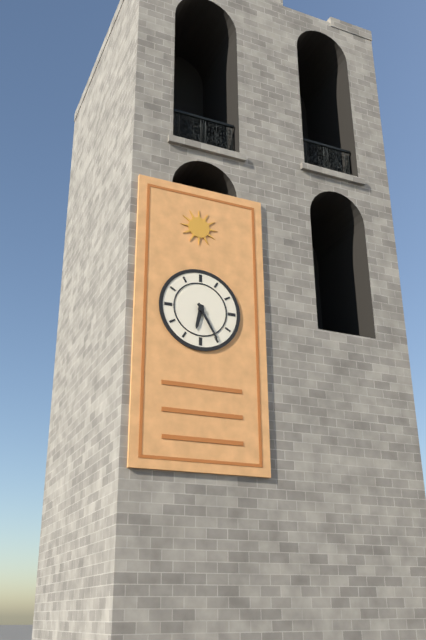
6:25
